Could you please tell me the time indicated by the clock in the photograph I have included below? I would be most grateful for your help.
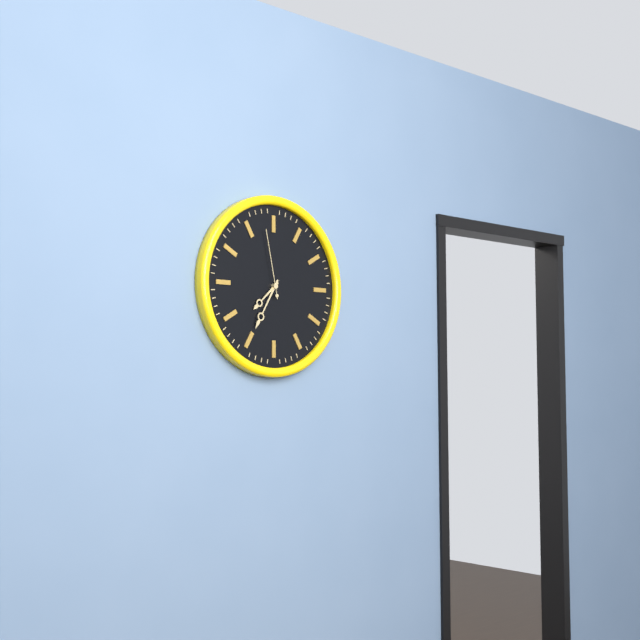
7:35:58
